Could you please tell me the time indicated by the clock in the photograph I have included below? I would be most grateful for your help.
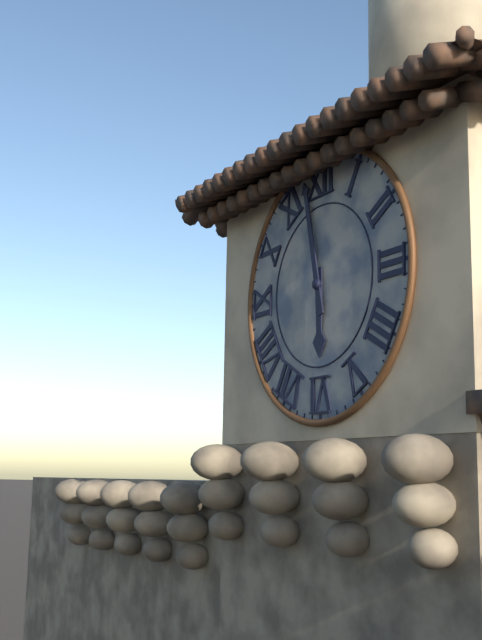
5:58
